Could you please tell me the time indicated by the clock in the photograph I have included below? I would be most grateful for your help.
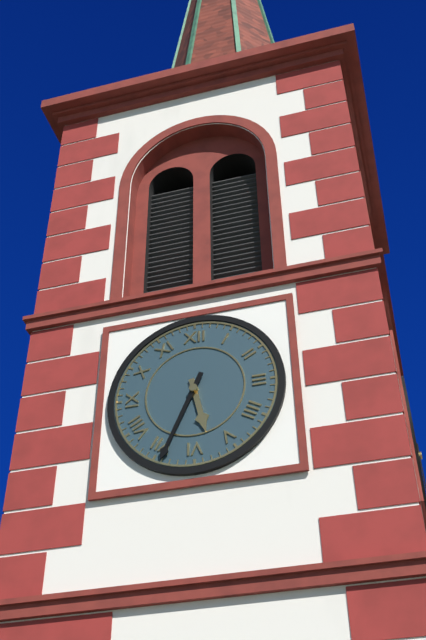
5:34
